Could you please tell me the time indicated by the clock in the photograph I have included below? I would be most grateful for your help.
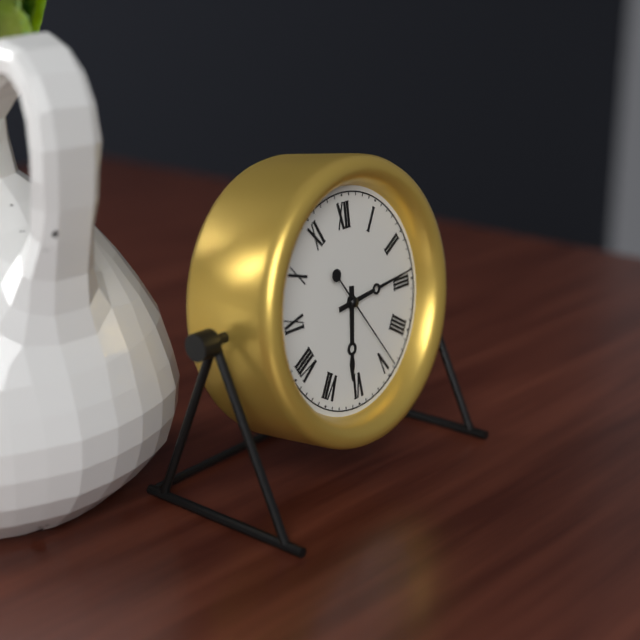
6:14:24
